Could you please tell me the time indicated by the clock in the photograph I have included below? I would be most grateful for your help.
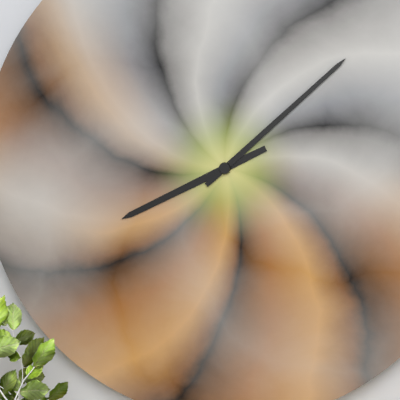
8:08
